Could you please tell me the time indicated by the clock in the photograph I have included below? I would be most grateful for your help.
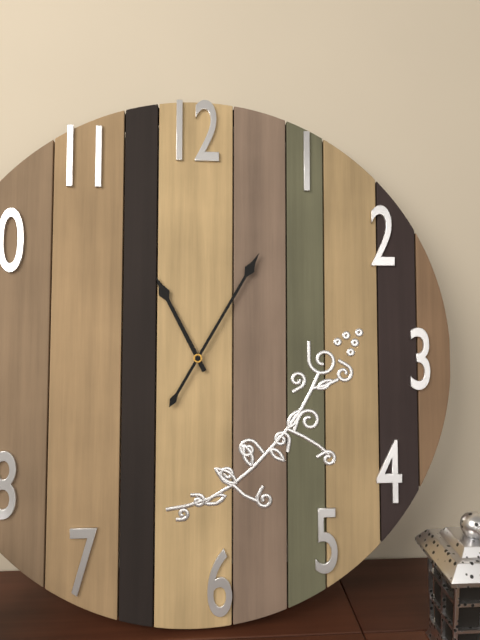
11:05
